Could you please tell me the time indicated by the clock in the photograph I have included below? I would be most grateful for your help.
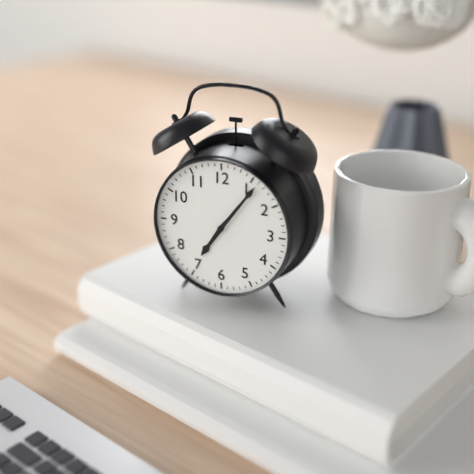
7:06
